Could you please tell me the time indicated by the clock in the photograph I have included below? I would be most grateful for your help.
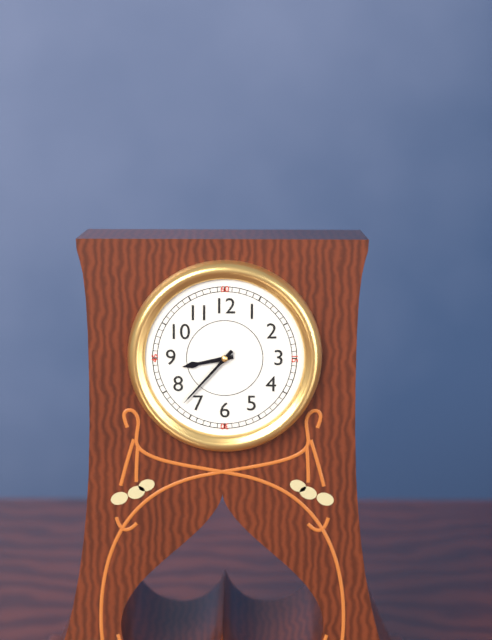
8:37
